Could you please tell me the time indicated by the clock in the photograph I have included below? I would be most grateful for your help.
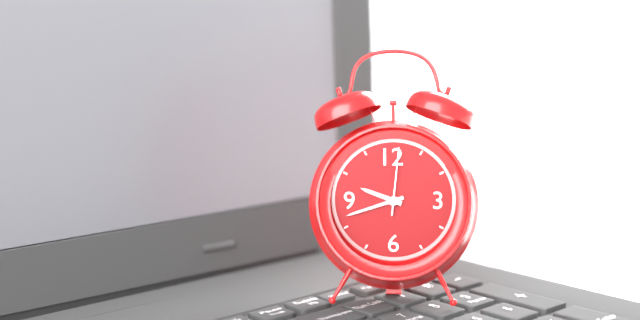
9:42:01
